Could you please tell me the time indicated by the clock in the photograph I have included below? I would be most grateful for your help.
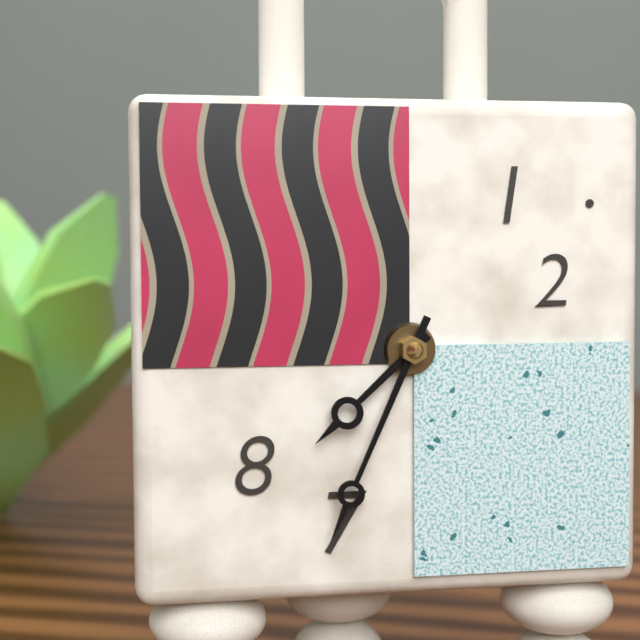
7:34
